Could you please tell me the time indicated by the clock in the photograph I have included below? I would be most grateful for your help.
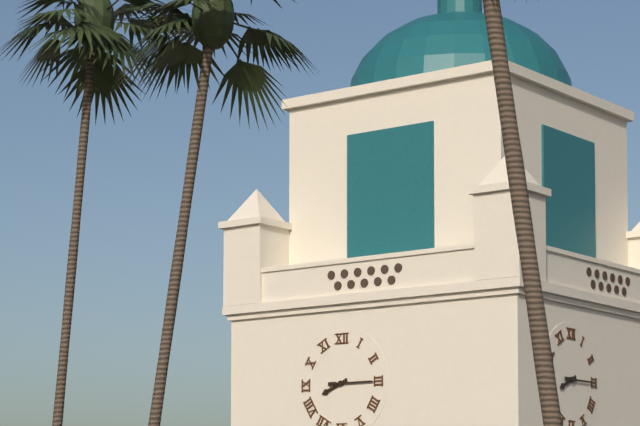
8:15
